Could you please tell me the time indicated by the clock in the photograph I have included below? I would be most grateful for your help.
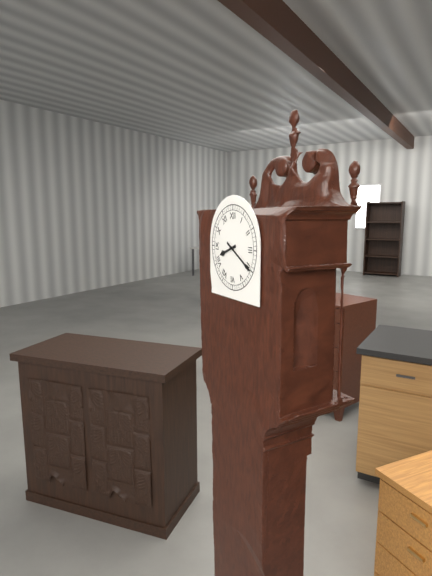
8:20
